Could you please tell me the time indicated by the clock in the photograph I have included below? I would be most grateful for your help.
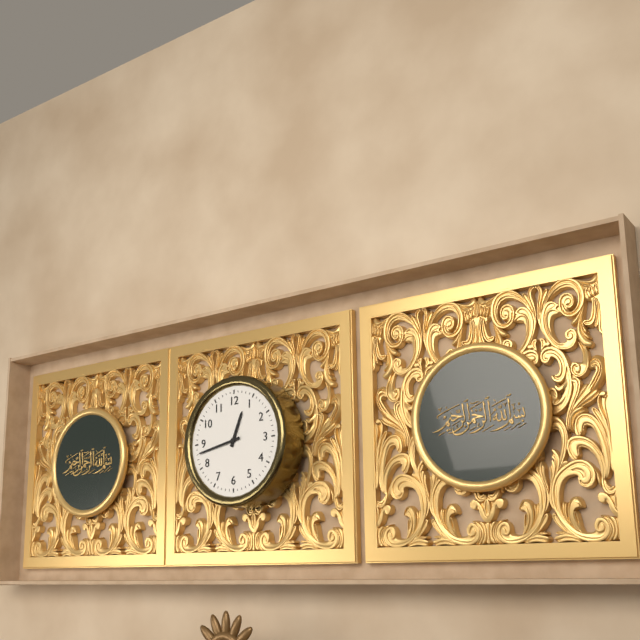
12:43
